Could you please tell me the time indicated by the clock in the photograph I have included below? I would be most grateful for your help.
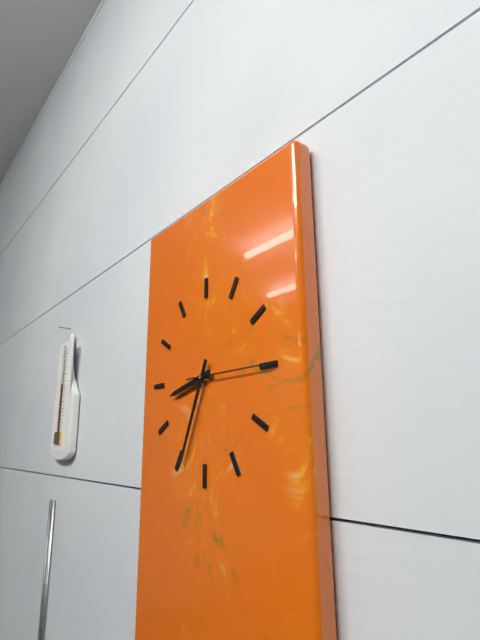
8:34:15
